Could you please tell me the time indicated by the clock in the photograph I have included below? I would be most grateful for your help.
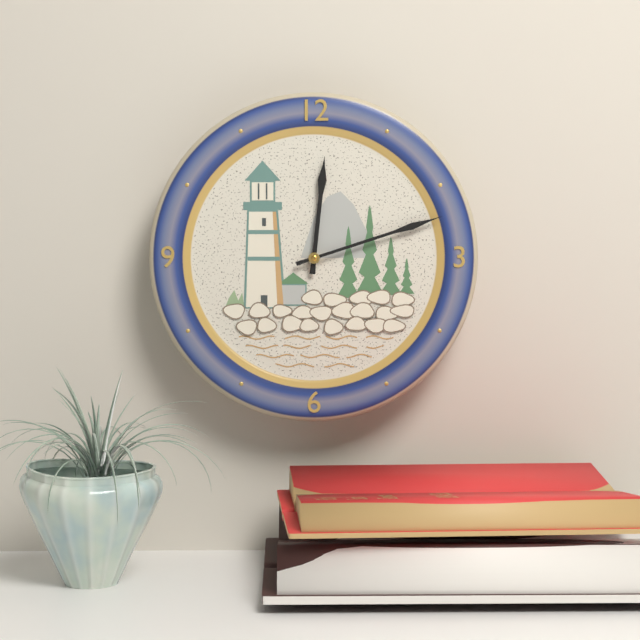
12:12
